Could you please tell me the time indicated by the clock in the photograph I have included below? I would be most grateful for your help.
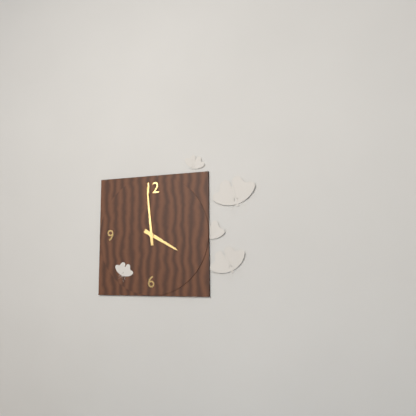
3:59
